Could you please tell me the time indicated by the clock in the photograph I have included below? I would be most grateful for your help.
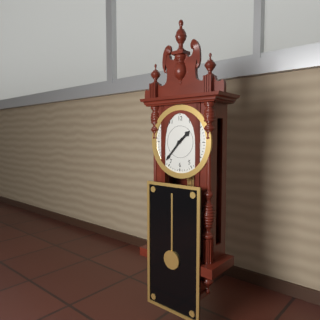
1:37
